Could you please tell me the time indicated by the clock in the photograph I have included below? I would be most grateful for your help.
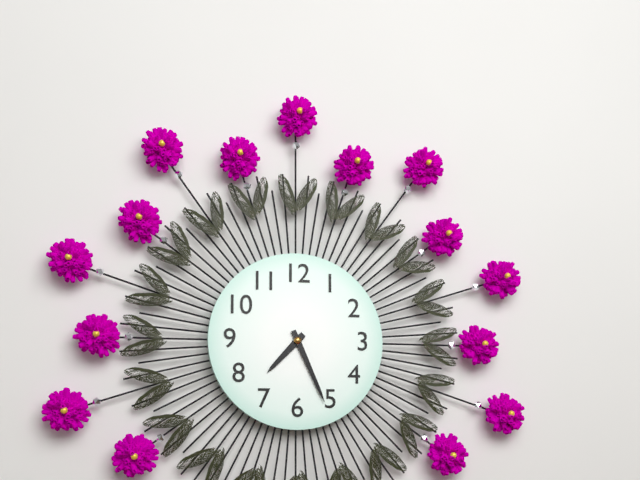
7:26
